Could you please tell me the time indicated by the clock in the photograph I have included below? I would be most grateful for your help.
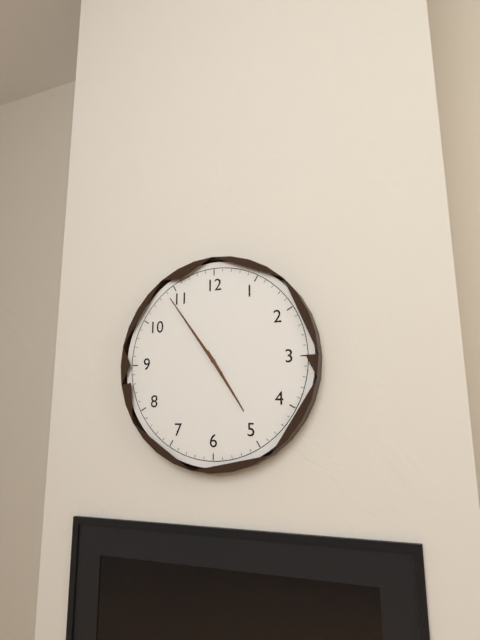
4:54
